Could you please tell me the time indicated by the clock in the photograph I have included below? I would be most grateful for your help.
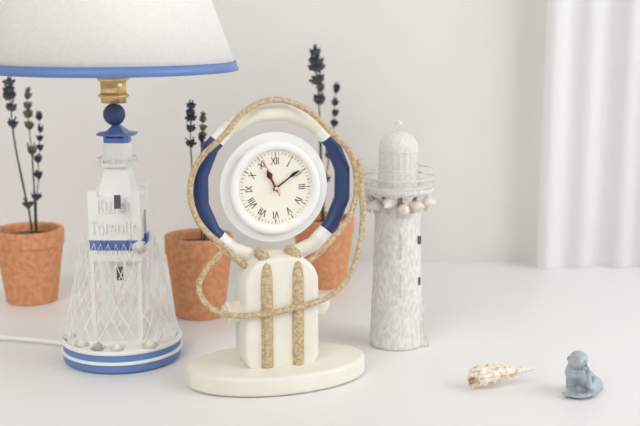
11:09
